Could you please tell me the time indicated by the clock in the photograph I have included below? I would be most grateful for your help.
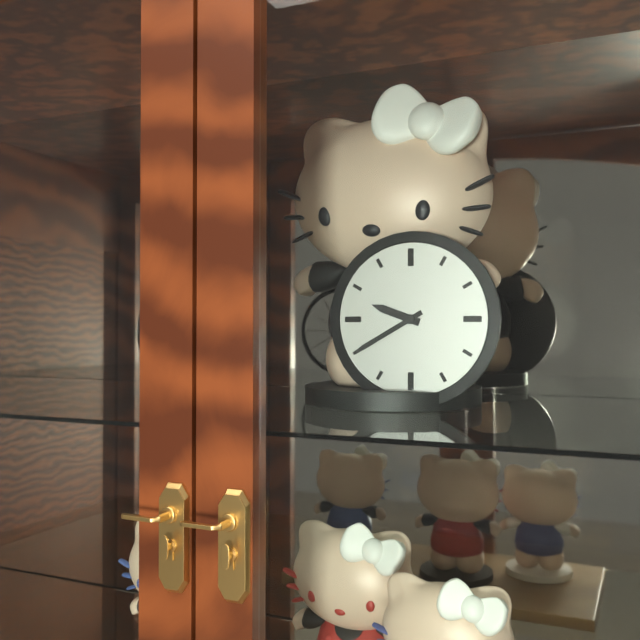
9:40
